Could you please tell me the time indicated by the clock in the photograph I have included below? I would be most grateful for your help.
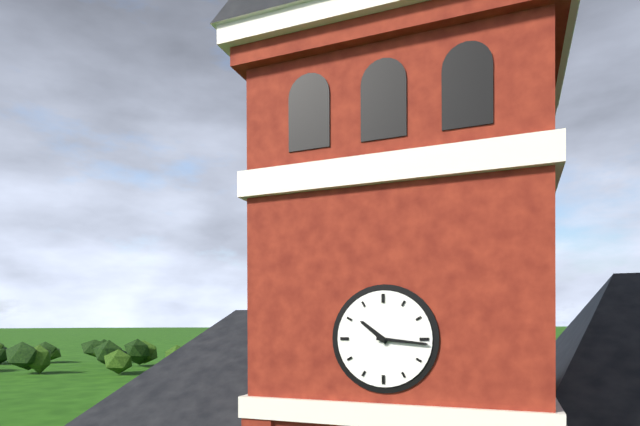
10:16
